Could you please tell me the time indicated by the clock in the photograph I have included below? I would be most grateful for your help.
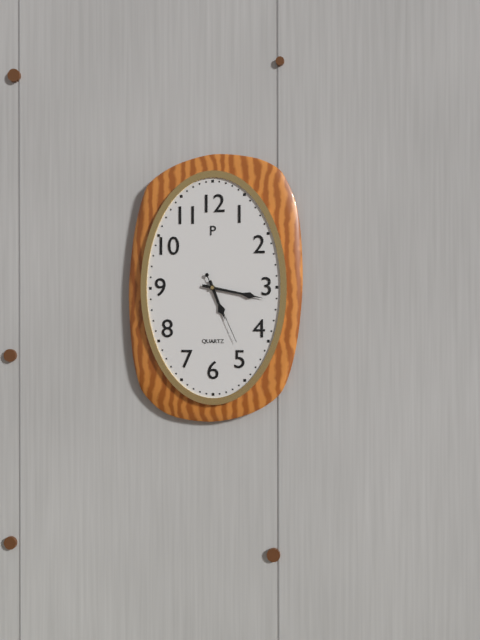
5:17:26
